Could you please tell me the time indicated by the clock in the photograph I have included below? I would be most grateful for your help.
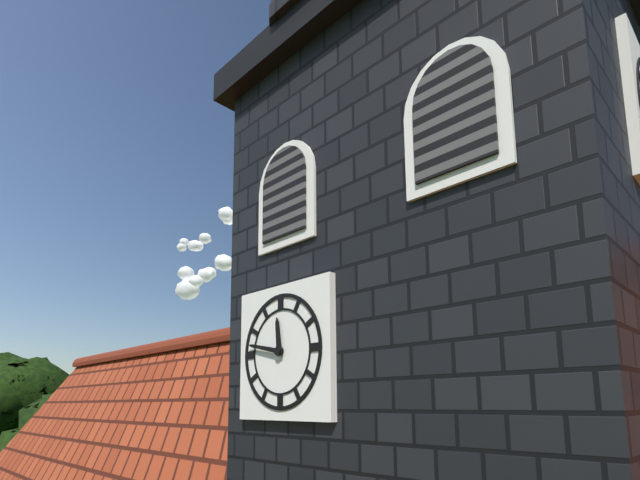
11:47
